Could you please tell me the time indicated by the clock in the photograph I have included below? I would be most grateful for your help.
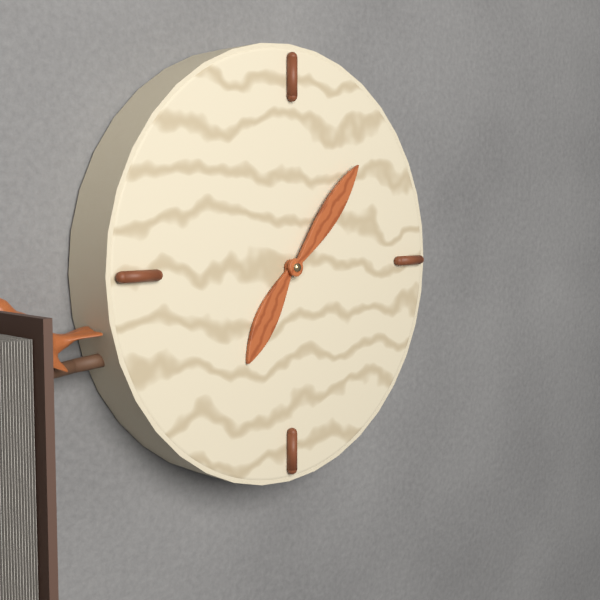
7:07
